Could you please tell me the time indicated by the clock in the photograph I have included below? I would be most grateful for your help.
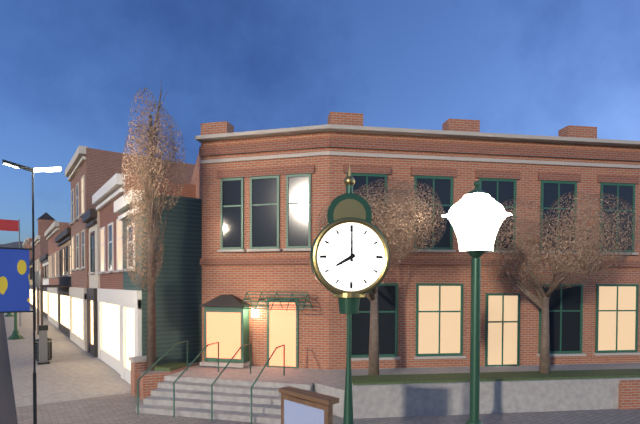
8:00
